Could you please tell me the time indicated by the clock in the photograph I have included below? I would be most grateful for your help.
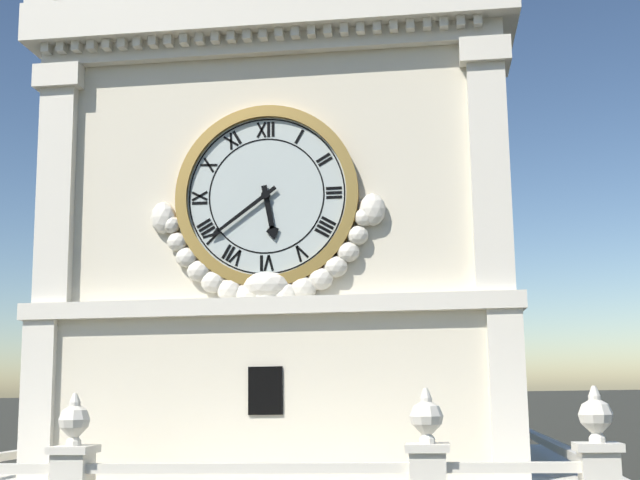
5:39
